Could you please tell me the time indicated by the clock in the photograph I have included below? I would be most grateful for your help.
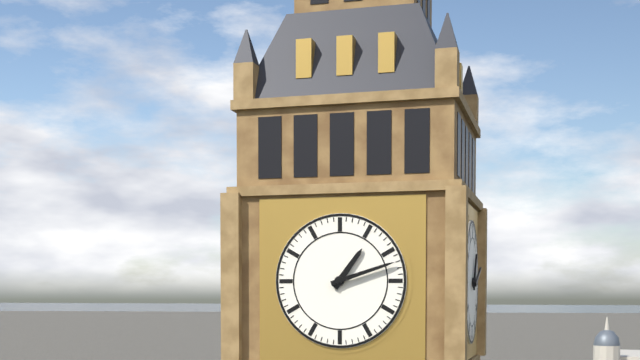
1:12
